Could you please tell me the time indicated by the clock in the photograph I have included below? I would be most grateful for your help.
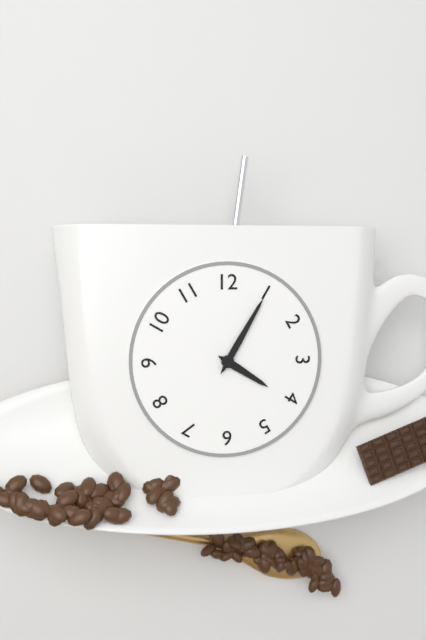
4:05
